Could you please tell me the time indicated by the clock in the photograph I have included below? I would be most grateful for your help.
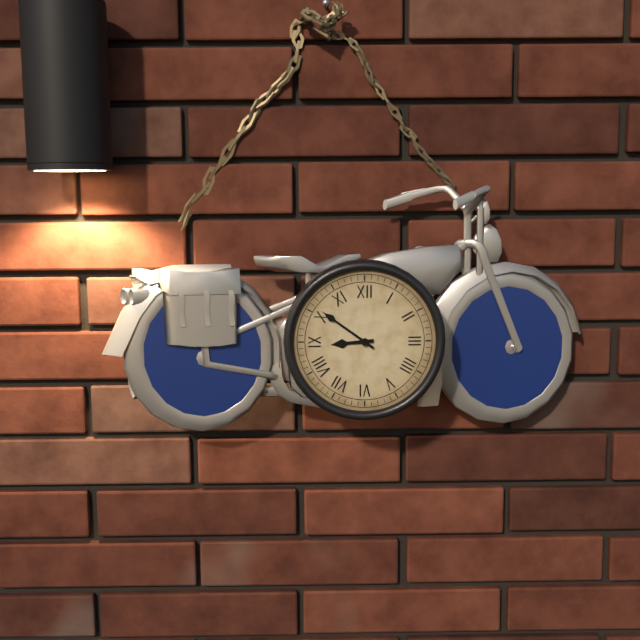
8:51
